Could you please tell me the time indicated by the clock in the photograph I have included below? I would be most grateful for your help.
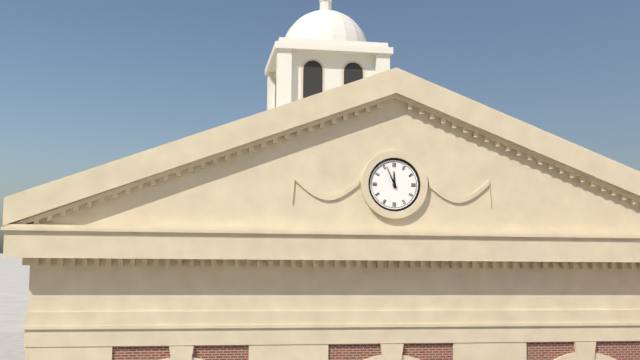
11:56
